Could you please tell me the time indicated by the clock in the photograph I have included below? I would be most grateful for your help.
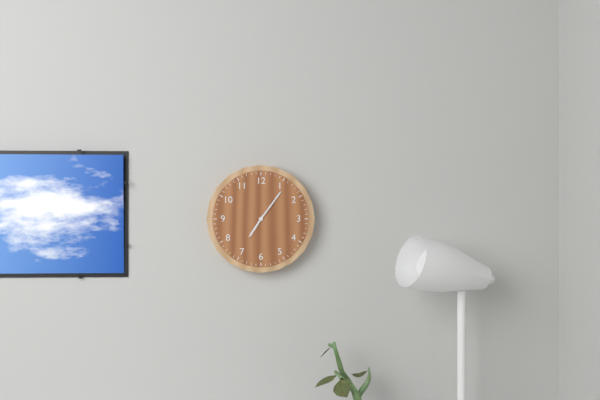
7:06
